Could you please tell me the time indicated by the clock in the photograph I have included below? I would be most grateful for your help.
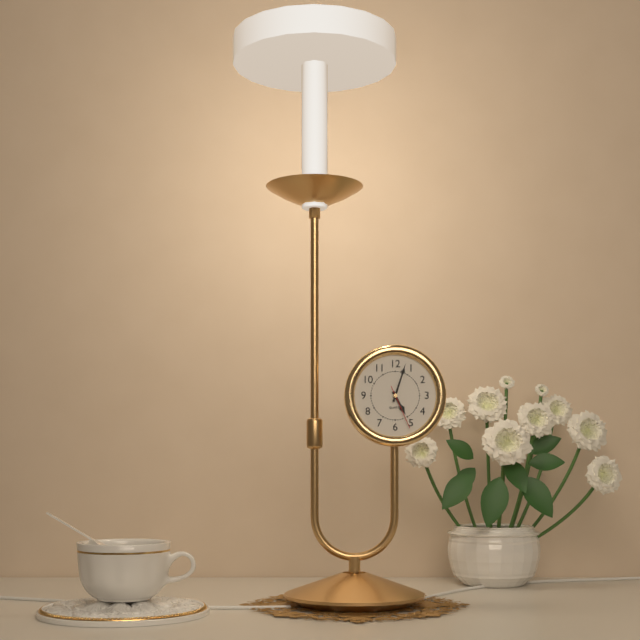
5:03
